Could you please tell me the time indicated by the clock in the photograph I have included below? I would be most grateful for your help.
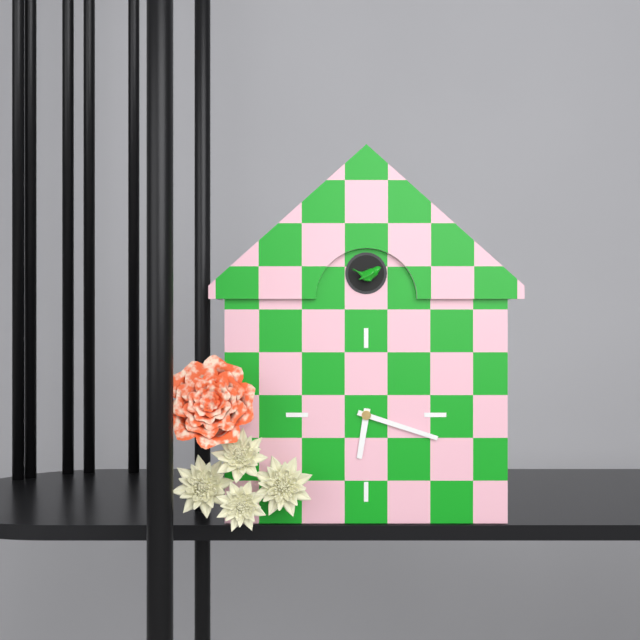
6:18
